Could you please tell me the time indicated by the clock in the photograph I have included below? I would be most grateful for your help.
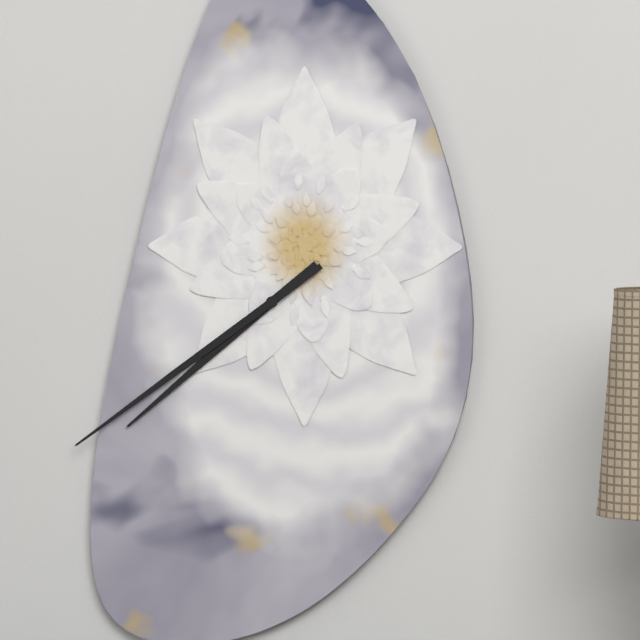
7:39
